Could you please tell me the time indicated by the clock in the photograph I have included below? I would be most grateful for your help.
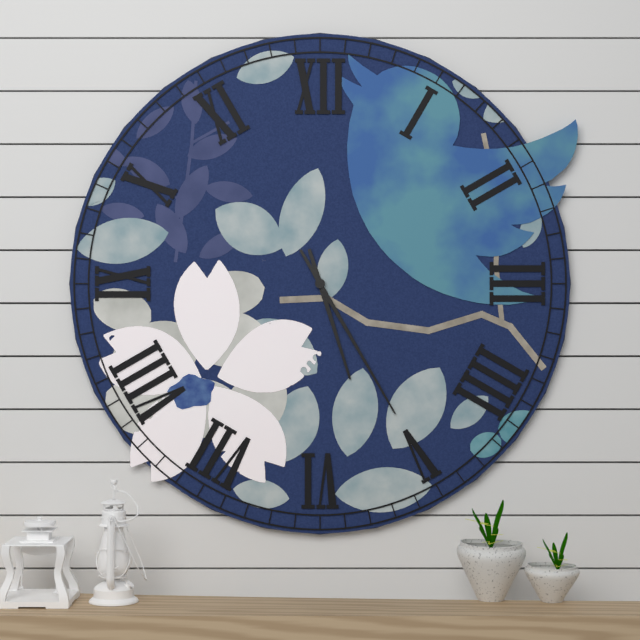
5:25
